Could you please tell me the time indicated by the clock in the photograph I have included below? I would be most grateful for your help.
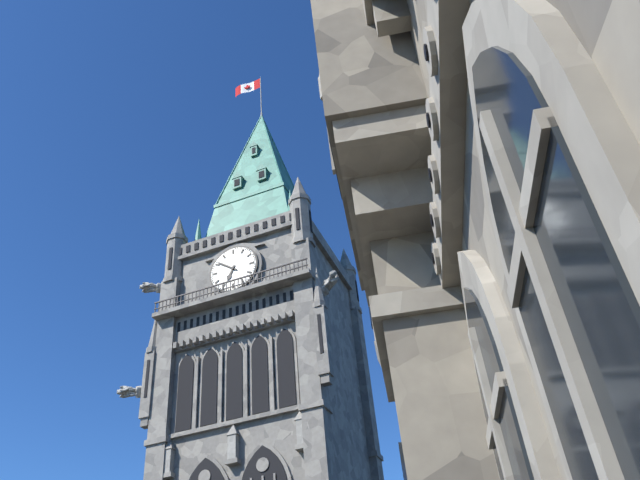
6:51
